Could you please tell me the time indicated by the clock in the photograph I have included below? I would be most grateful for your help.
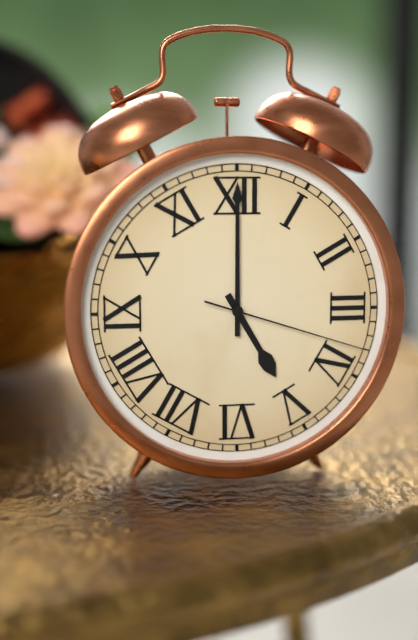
5:00:18
